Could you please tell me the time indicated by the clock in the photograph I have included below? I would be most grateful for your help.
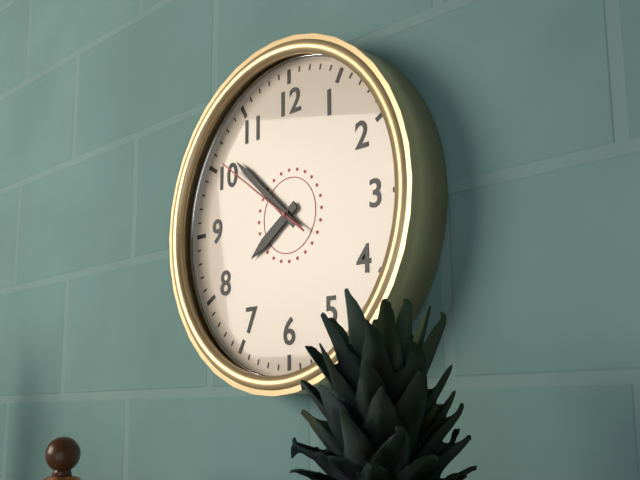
7:52:51
